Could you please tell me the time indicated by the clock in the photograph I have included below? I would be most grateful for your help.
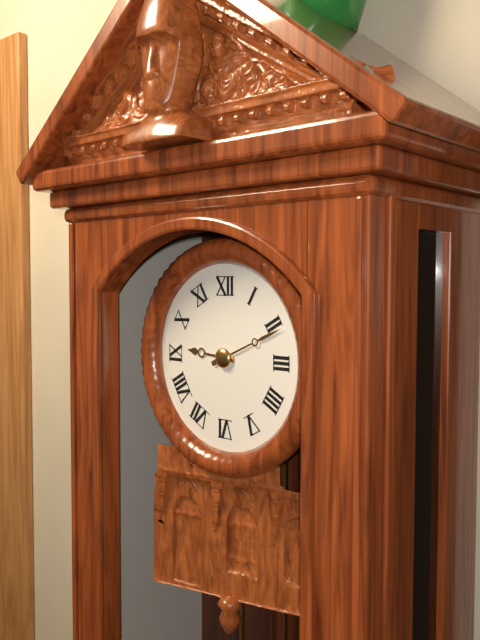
9:11
